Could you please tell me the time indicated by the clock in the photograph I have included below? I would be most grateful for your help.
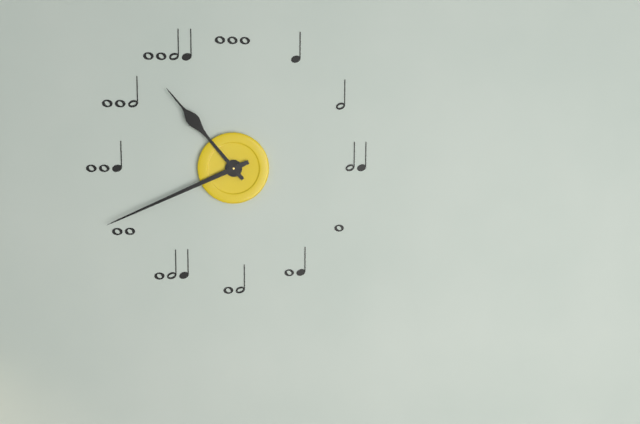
10:41
